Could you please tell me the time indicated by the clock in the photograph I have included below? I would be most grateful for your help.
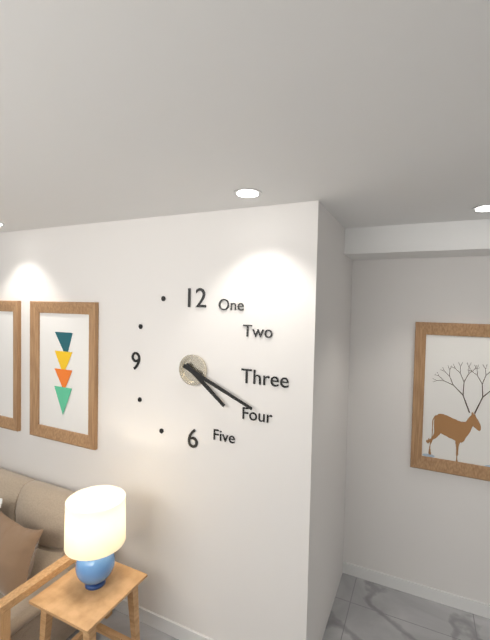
4:19
